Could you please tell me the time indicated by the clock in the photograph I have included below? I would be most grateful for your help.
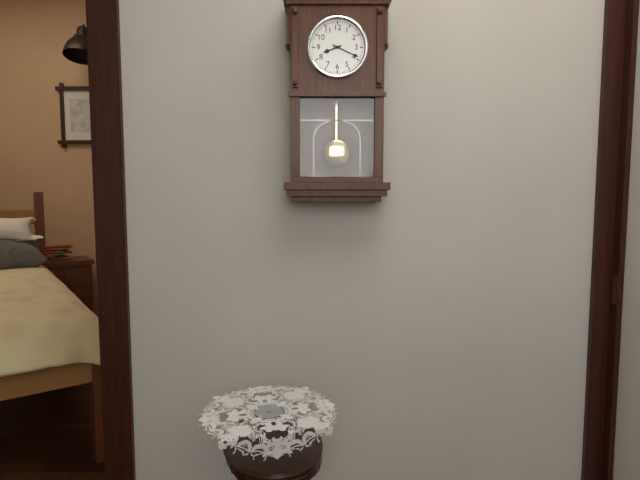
8:19
